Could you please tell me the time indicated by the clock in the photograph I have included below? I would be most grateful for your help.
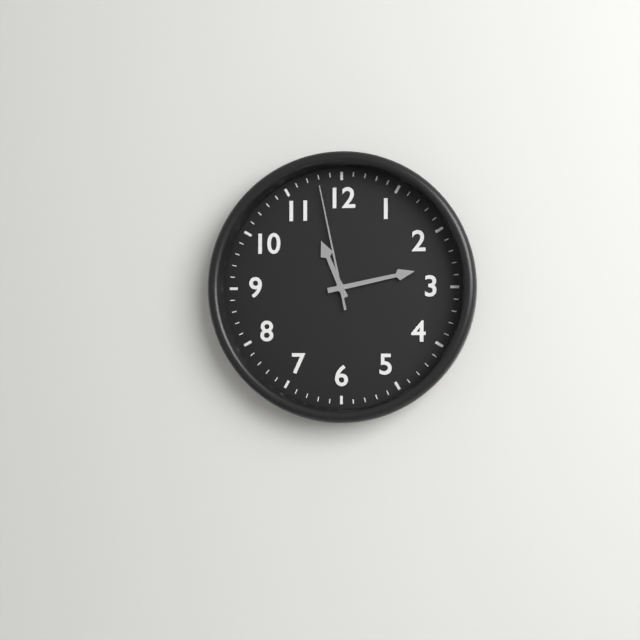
11:13:58
